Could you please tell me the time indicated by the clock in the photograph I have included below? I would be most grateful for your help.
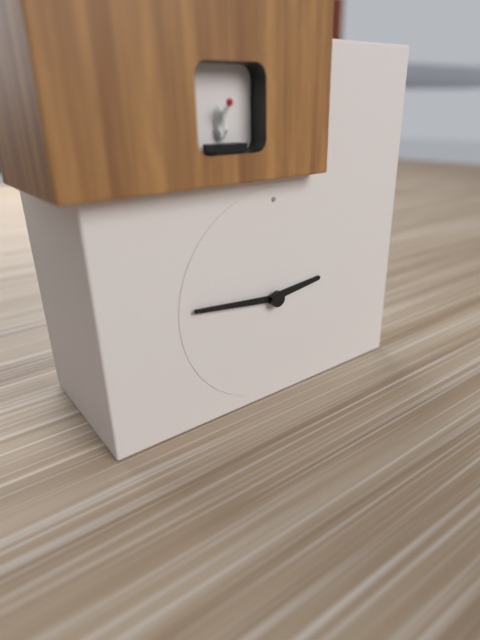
2:46
